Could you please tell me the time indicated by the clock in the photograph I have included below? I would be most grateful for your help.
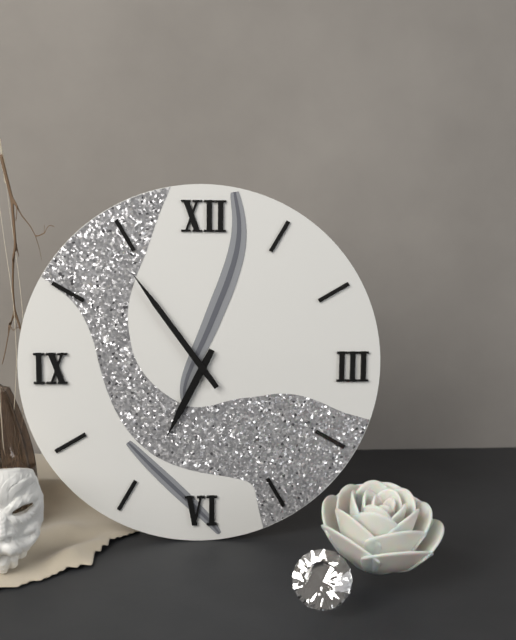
6:54
